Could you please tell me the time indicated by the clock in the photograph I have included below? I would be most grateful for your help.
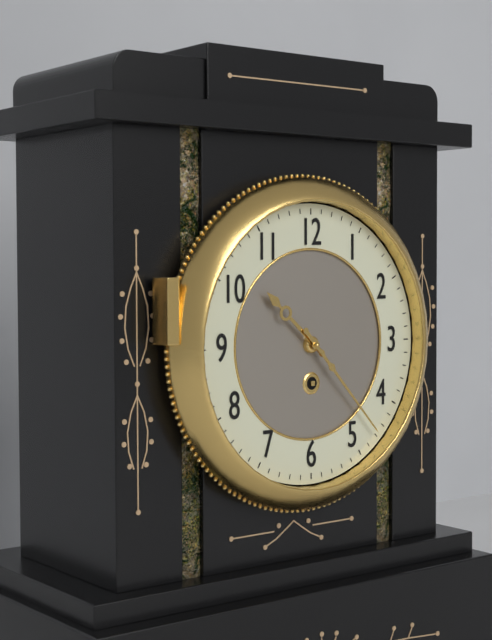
10:23
